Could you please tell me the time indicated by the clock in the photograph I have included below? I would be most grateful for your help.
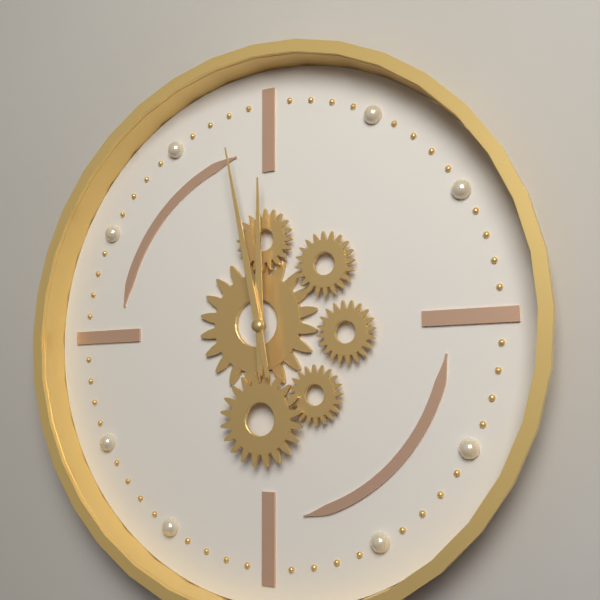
11:58
